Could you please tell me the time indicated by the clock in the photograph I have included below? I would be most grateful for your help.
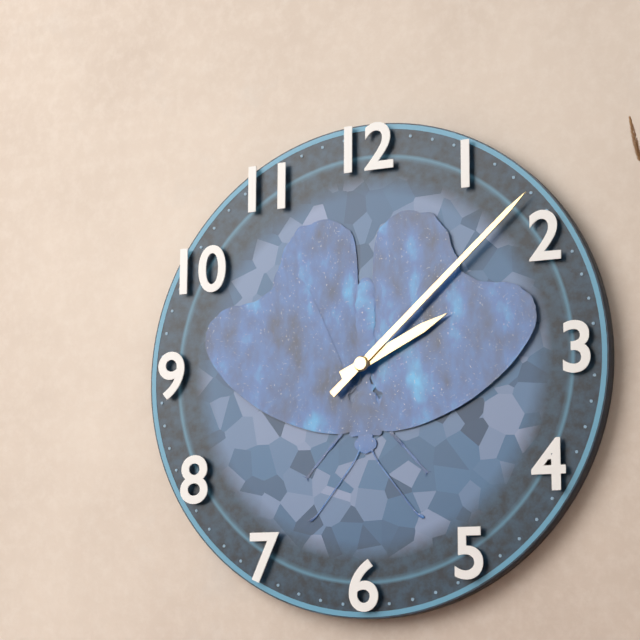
2:08
